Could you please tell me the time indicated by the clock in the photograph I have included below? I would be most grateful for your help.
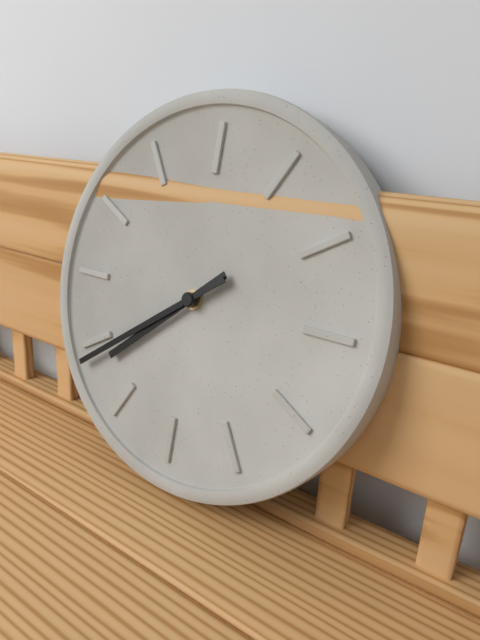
7:39
